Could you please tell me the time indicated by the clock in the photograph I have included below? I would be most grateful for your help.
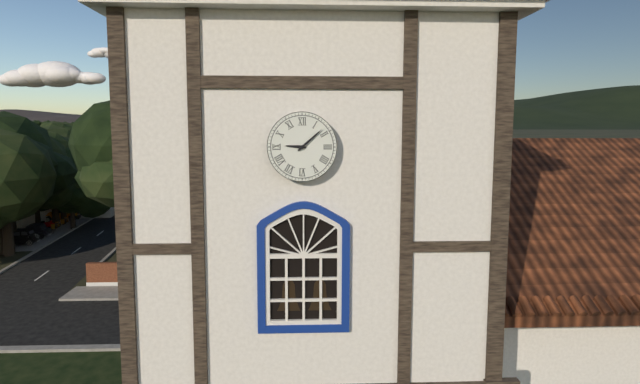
9:08
